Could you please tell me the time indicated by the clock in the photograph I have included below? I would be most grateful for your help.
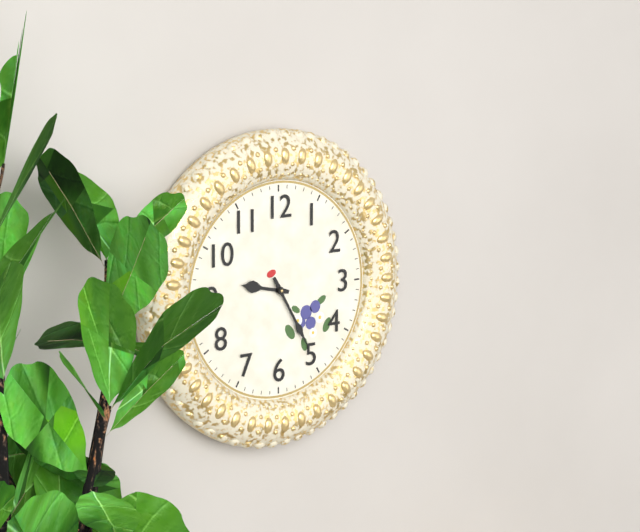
9:25
